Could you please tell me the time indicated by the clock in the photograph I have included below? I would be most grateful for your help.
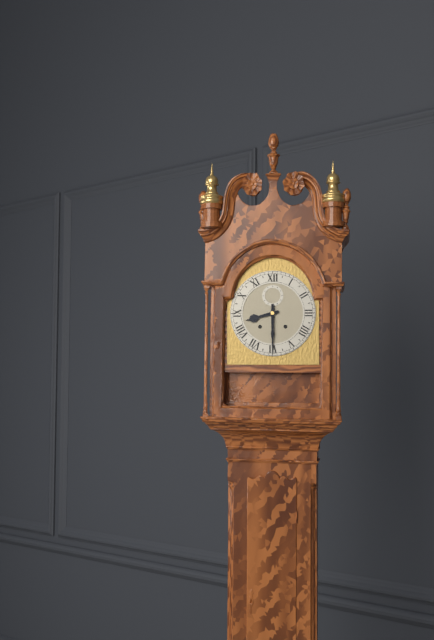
8:30
